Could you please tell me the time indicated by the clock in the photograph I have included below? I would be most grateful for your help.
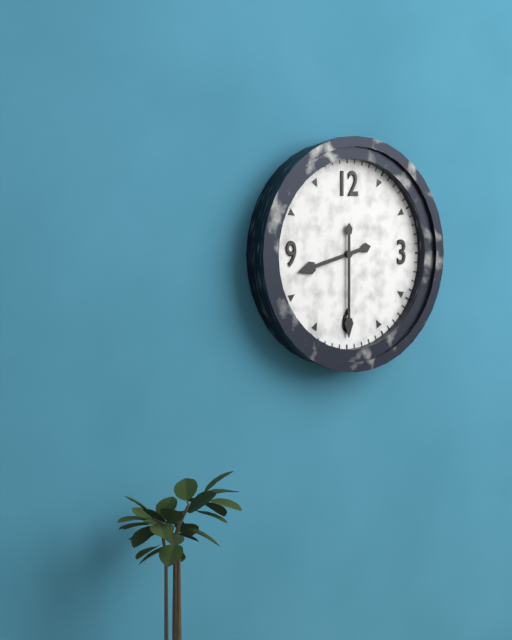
8:30
